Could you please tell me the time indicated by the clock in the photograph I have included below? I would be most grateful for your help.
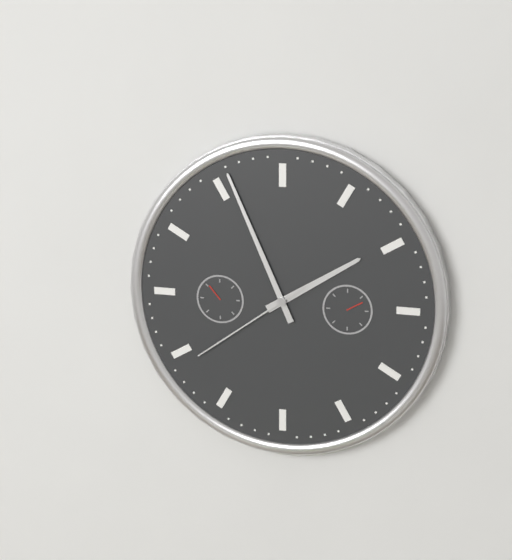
1:56:39
